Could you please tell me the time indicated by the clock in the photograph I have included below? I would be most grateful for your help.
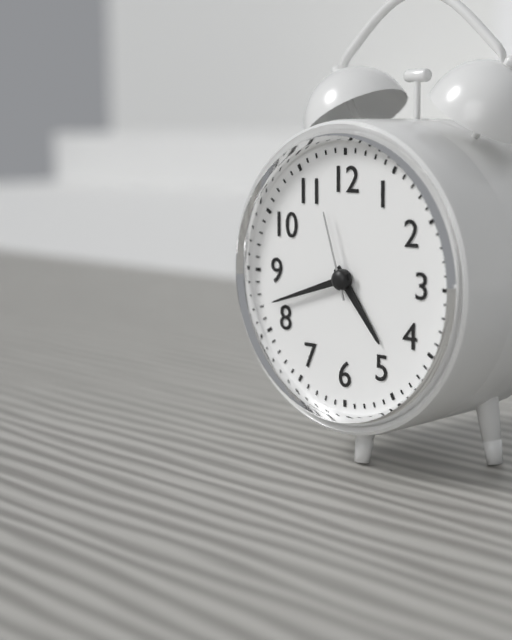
4:42:57
